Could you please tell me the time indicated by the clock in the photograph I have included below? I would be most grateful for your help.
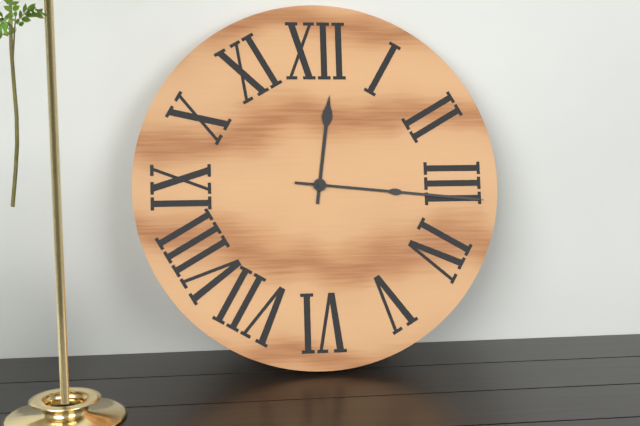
12:16
